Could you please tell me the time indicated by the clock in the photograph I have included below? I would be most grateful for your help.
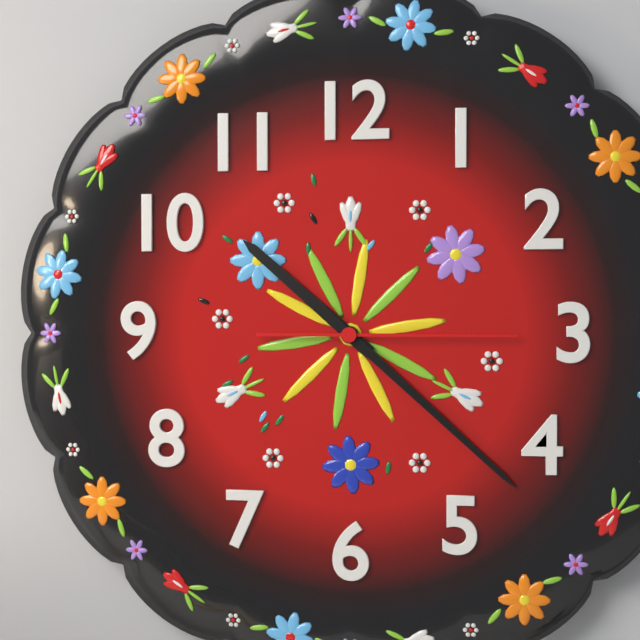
10:22:15
